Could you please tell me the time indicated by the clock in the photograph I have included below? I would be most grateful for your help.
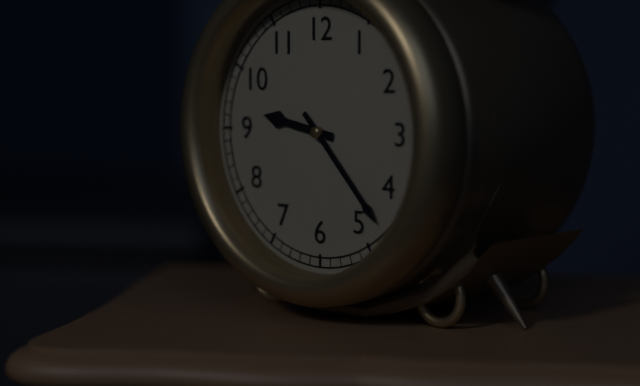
9:23
